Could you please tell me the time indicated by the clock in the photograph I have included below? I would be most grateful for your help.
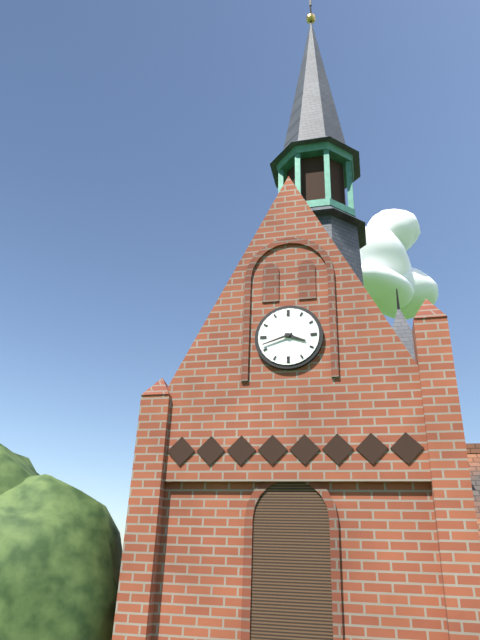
3:42
